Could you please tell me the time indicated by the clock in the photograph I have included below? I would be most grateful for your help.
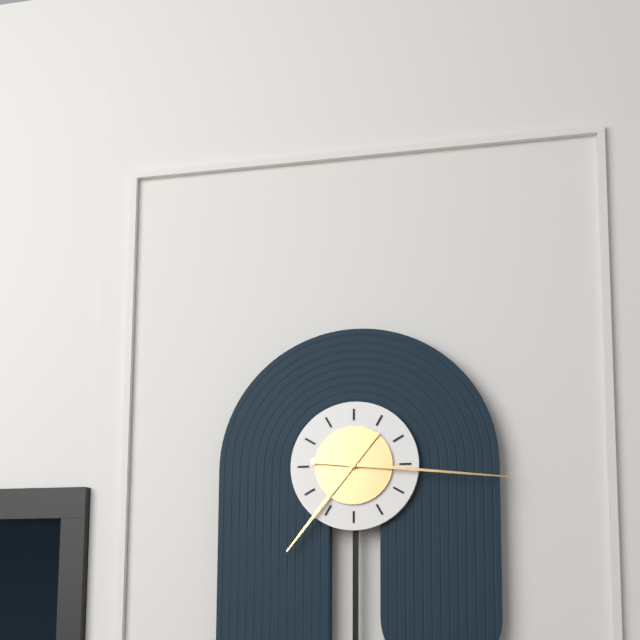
7:16
